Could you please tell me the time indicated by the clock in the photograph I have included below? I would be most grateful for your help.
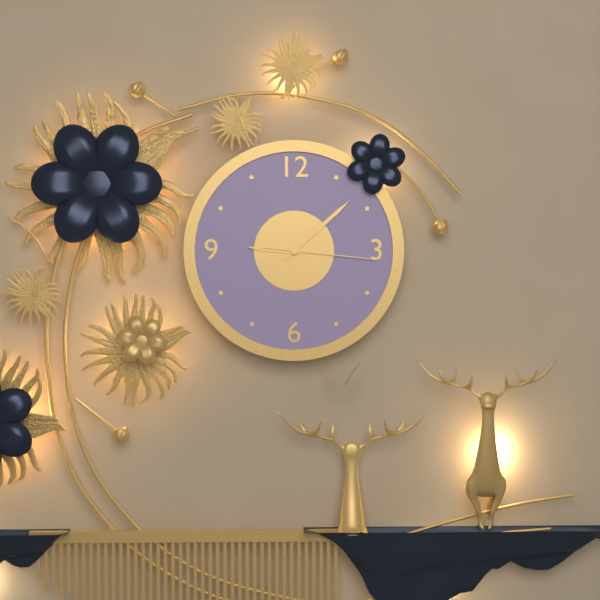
9:08:16
